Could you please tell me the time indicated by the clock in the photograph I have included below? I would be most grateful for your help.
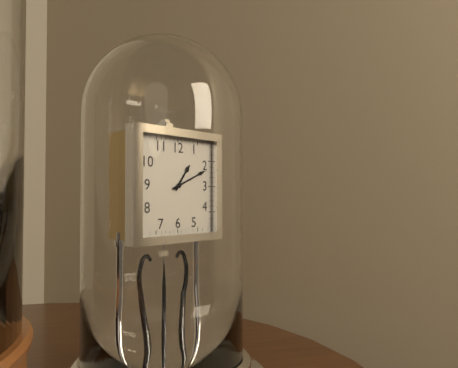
1:11
